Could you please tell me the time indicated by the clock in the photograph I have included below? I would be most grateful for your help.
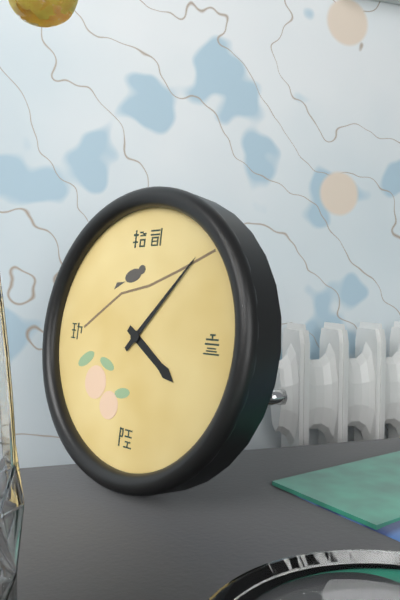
4:07
